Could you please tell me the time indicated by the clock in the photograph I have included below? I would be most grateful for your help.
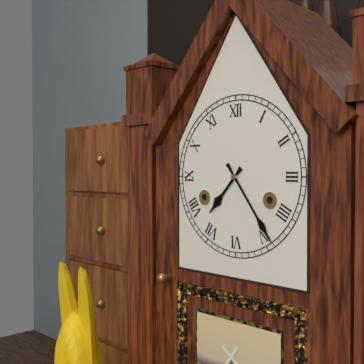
7:24
